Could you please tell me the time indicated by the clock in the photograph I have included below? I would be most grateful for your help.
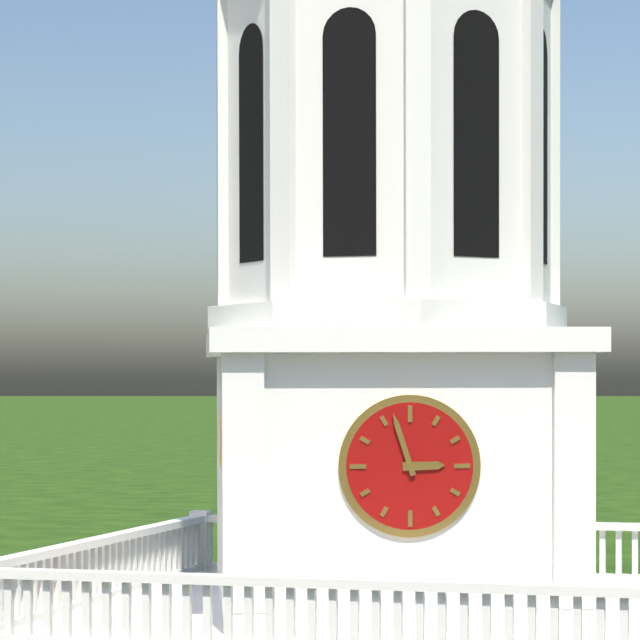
2:57
